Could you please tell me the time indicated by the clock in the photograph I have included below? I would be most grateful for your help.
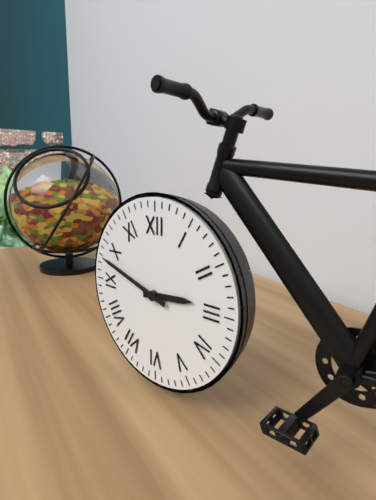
2:48
